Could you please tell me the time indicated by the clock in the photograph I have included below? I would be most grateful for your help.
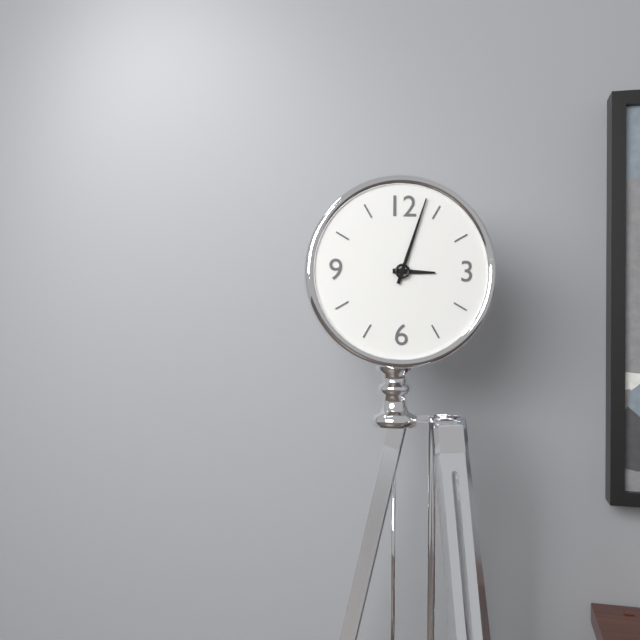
3:03
